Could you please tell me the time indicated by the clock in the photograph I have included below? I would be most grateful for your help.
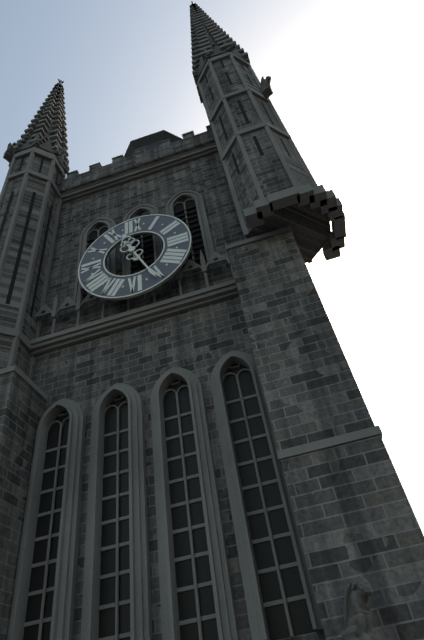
11:26
